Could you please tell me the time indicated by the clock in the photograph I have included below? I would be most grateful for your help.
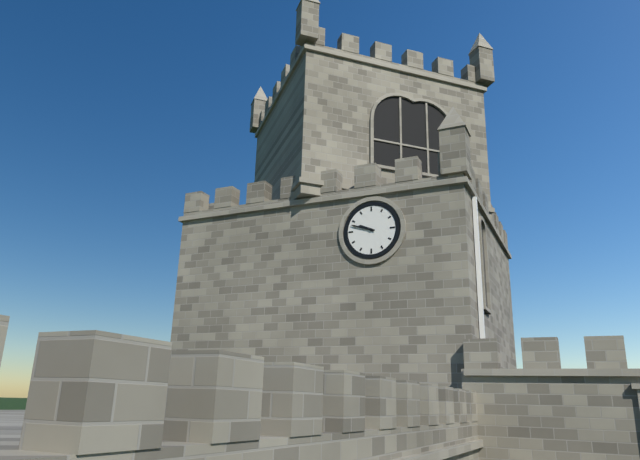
9:48
